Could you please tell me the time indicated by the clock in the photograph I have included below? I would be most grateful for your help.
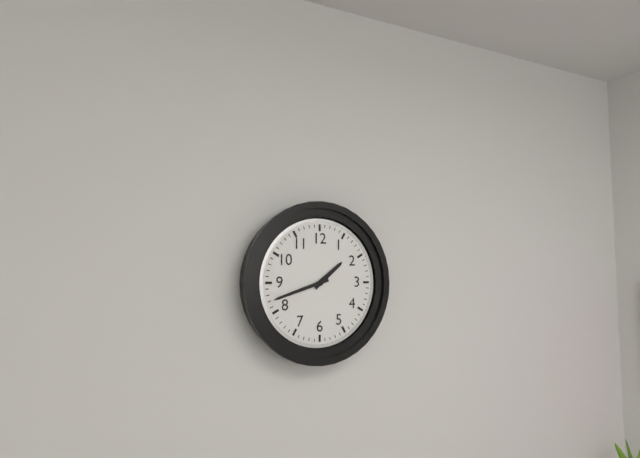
1:42
